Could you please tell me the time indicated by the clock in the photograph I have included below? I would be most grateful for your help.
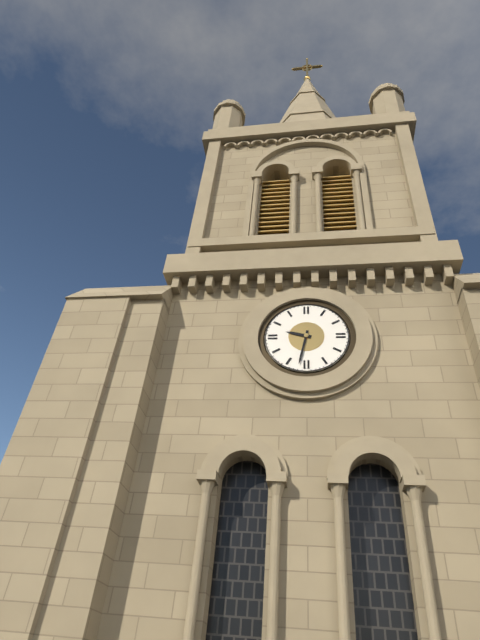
9:32
